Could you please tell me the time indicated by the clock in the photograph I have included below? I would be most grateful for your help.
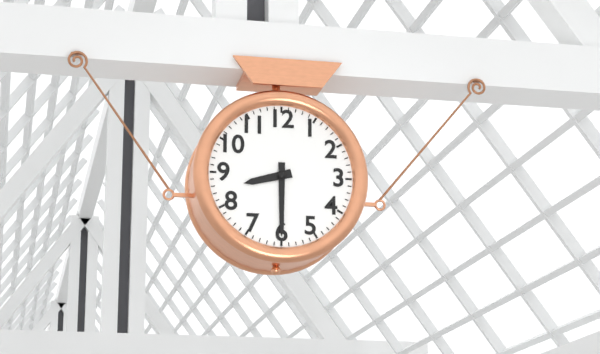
8:30
